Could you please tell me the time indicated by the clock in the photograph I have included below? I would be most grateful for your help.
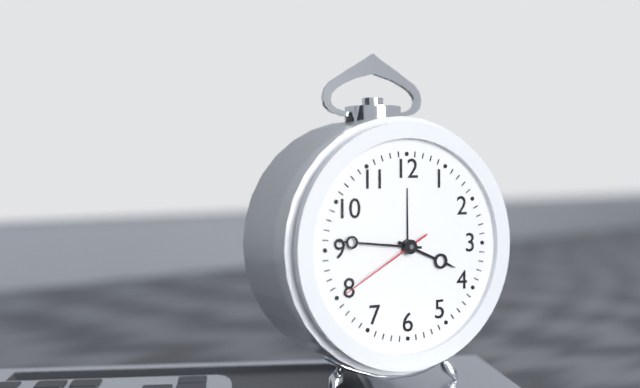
3:46:40
